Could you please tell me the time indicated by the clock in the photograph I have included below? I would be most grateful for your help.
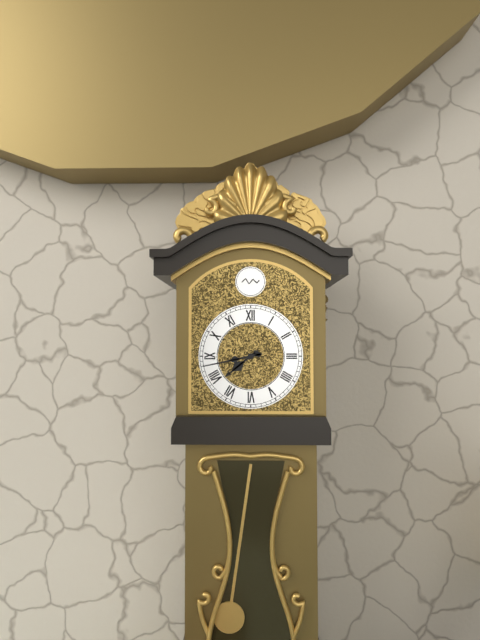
7:43
